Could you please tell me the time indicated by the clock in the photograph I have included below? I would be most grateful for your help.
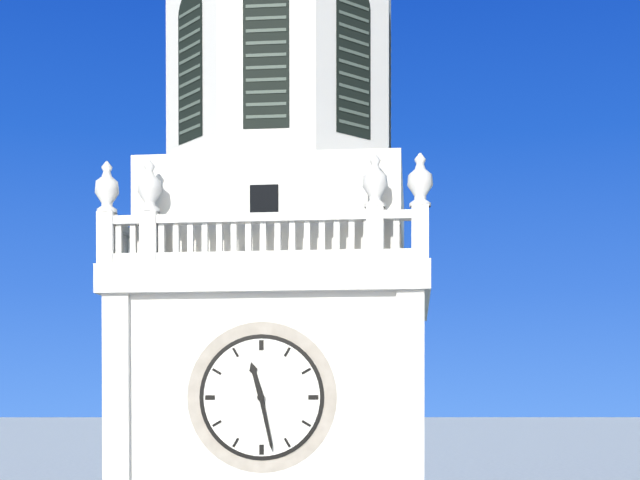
11:28
